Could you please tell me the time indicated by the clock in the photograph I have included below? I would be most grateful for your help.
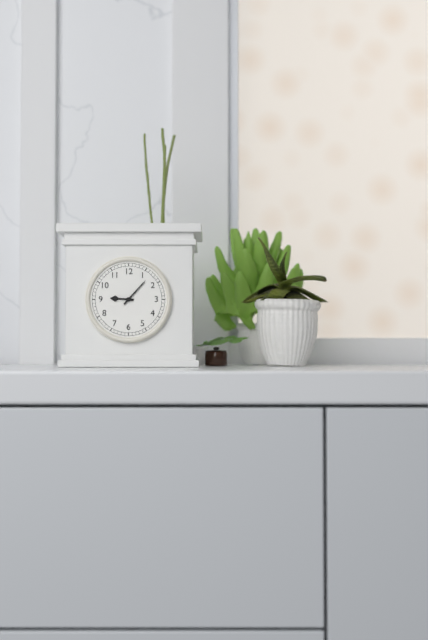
9:07
